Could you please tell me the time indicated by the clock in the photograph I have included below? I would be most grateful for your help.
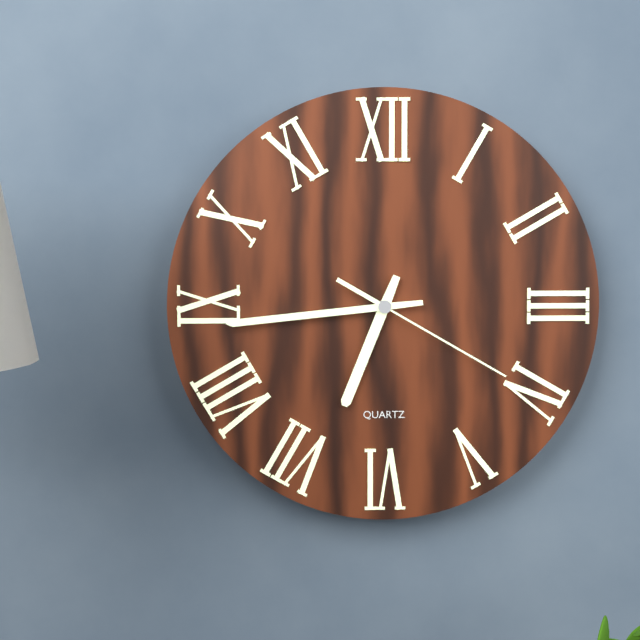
6:44:20
